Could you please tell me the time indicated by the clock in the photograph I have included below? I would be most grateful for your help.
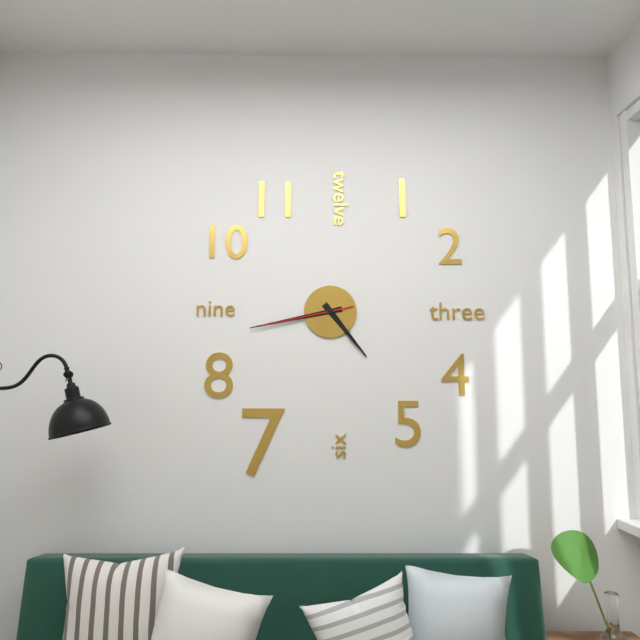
4:43:43
